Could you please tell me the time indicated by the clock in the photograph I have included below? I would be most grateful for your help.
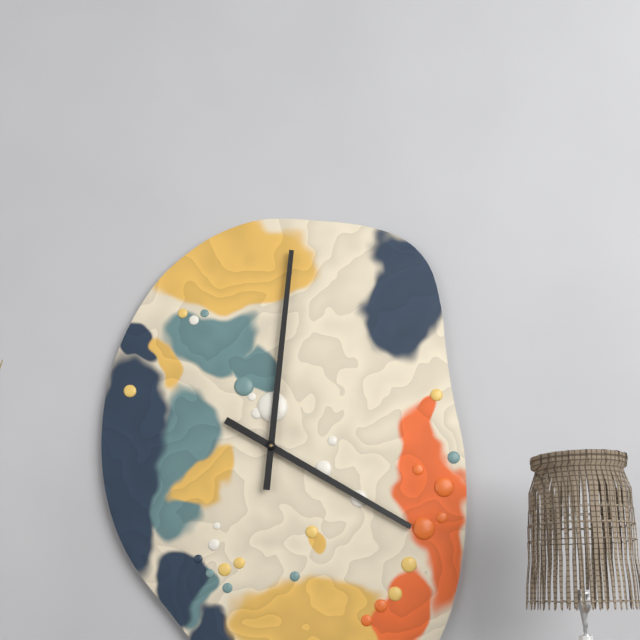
4:01
